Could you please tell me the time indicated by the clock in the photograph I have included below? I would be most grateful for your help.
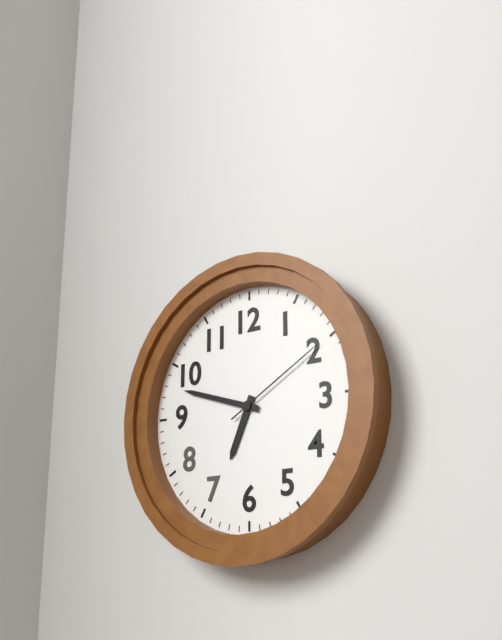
6:48:10
